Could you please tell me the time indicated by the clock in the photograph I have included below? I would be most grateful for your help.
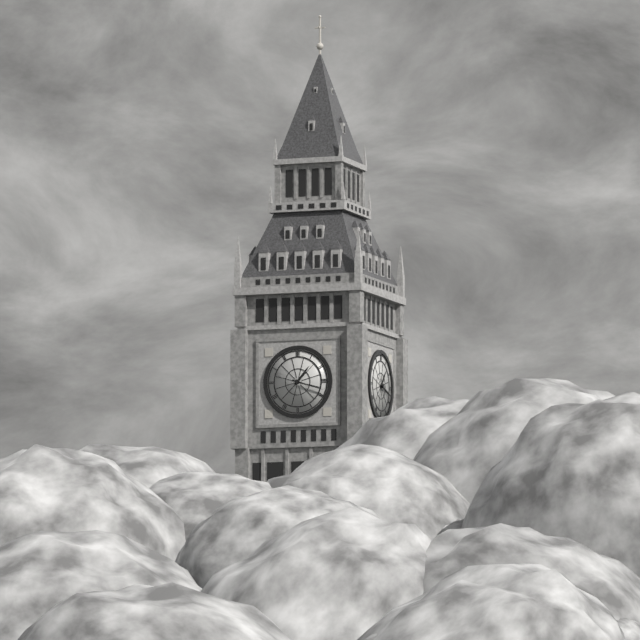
1:18
